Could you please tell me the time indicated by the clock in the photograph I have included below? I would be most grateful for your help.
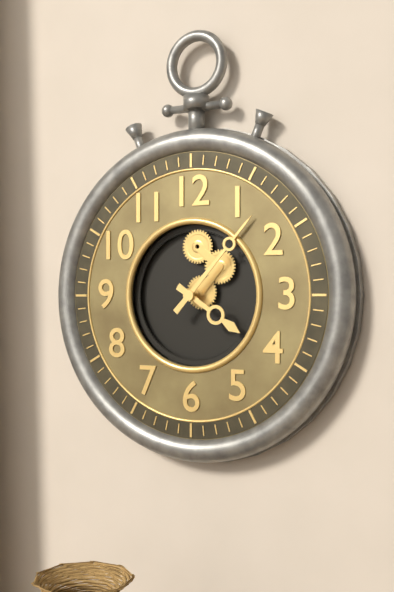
4:07
